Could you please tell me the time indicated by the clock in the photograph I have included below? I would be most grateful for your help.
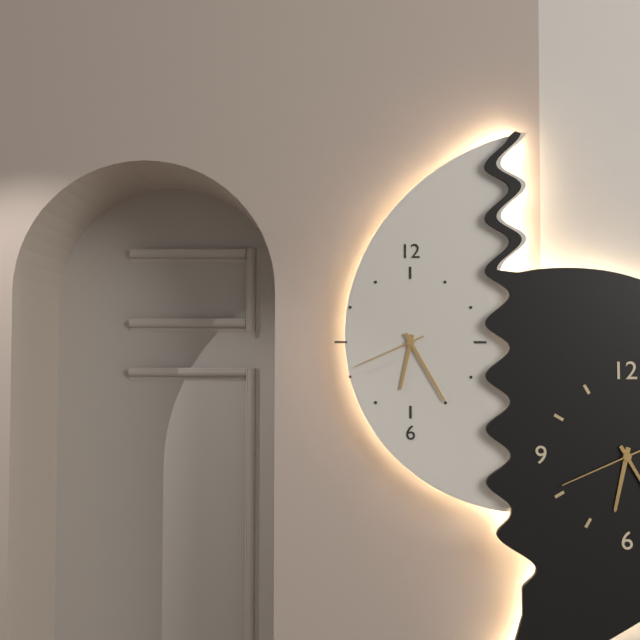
6:25:41
